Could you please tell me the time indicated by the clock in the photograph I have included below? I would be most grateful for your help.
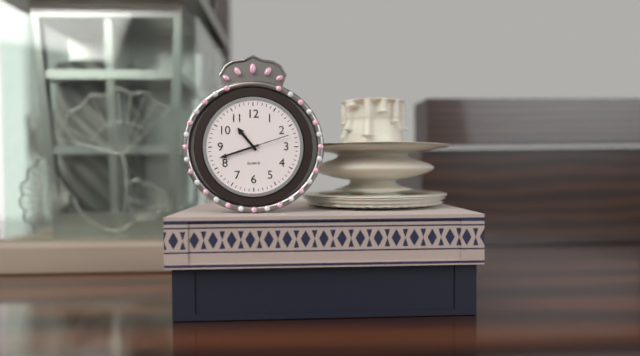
10:42
